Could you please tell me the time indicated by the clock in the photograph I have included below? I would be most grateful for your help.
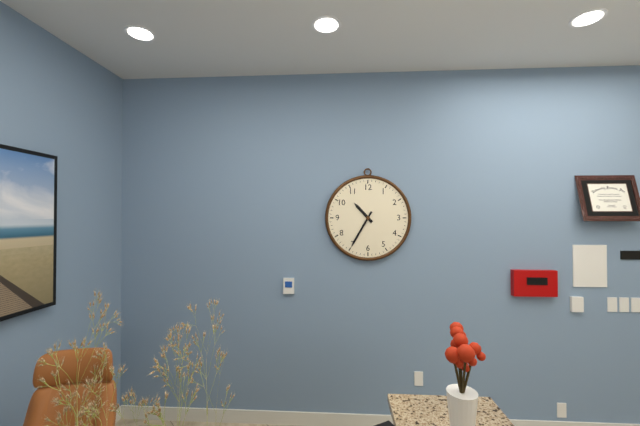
10:35
